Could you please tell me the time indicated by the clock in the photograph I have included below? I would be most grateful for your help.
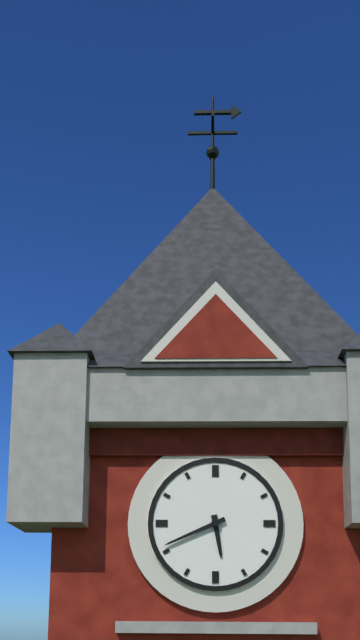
5:41
